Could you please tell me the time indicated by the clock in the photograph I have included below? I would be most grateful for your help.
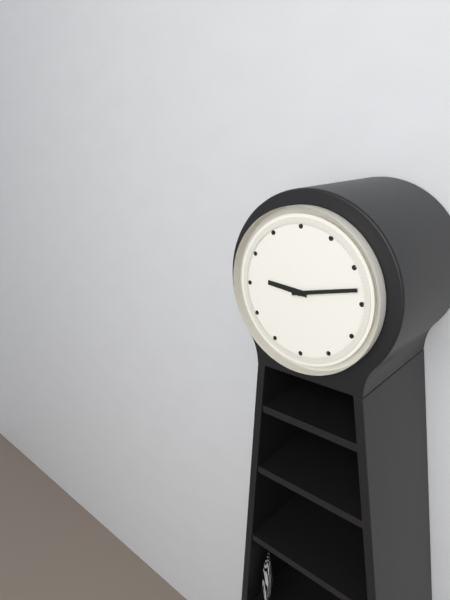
9:13
